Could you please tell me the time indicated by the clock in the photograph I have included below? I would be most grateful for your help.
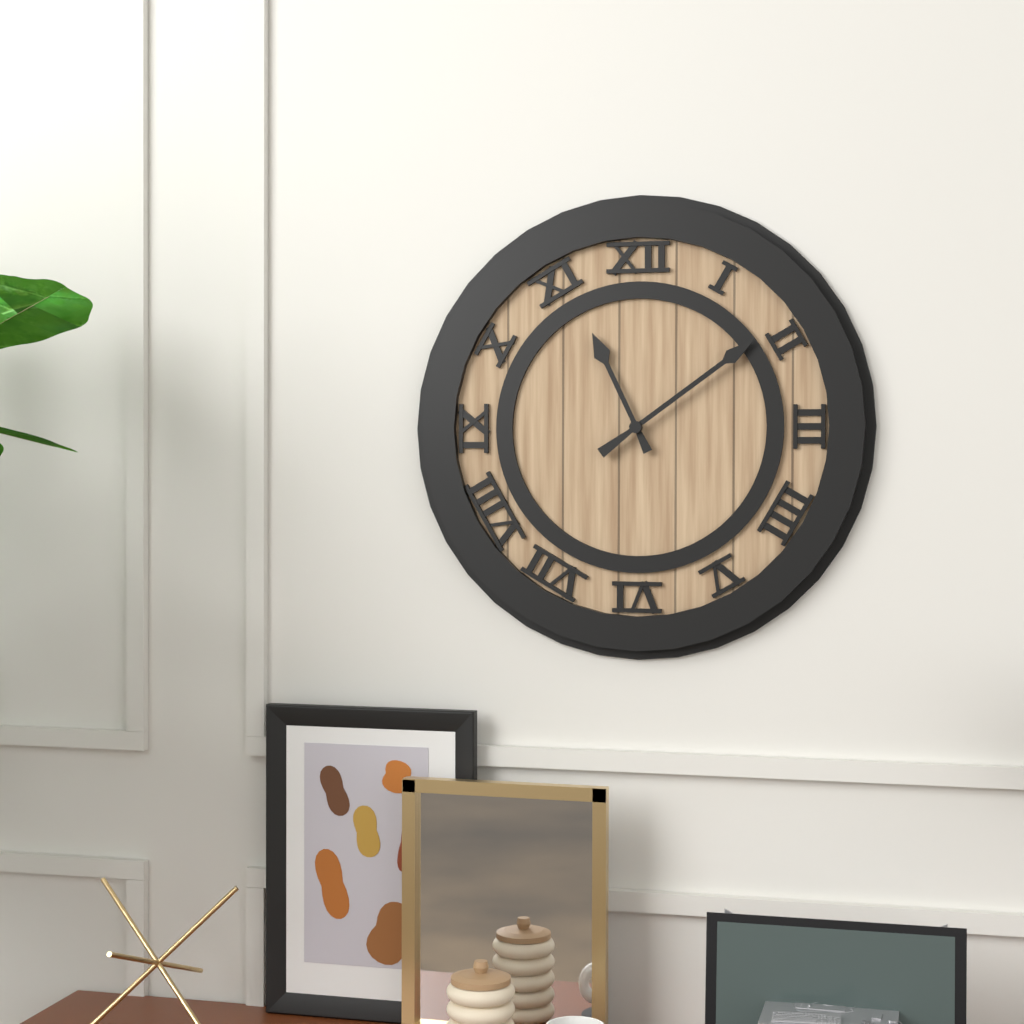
11:09
